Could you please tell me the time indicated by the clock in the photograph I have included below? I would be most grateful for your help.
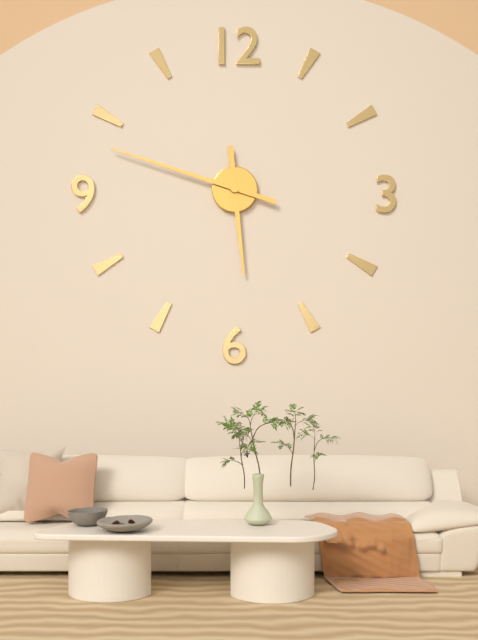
5:48
